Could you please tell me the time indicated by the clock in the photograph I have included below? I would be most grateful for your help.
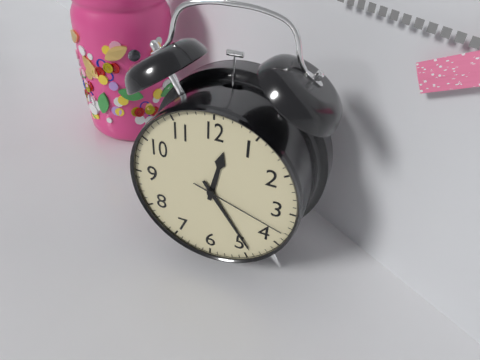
12:24:18
